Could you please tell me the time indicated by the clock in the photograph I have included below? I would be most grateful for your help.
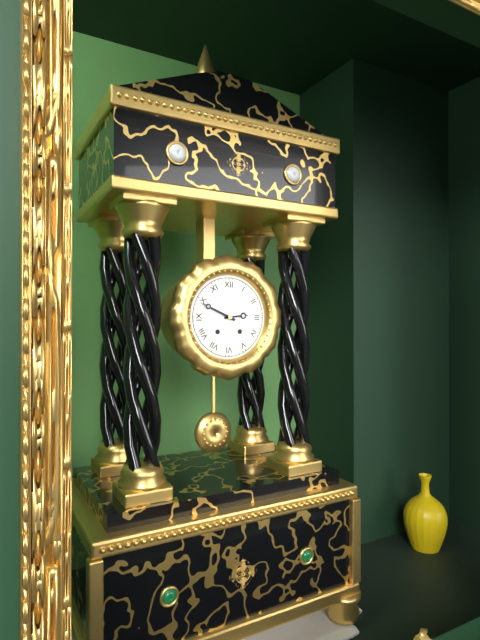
2:49
